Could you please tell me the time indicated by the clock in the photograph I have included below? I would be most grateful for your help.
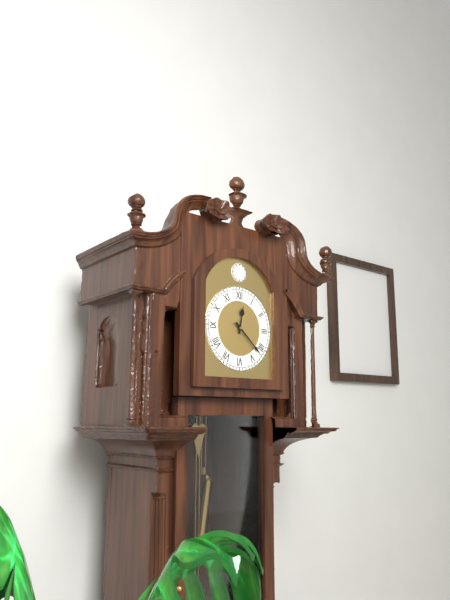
12:22
